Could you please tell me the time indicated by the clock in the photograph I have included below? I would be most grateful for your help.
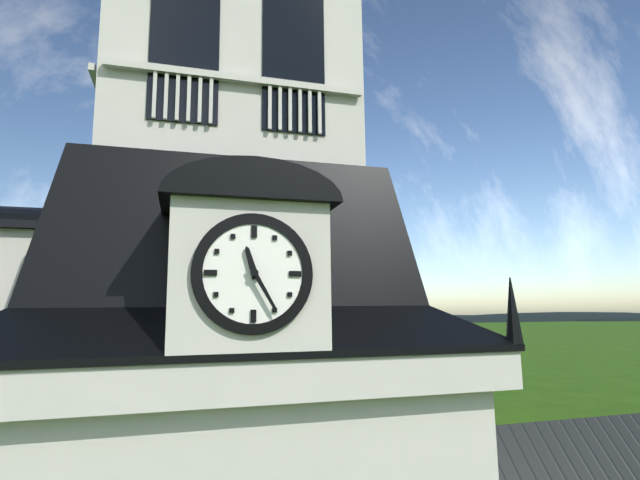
11:25
